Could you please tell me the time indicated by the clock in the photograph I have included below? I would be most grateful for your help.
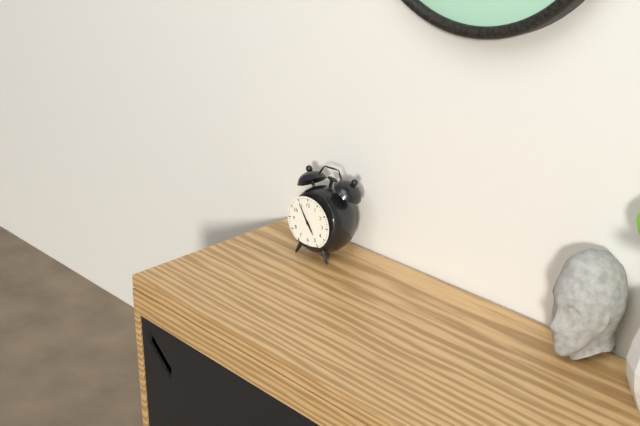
4:55
